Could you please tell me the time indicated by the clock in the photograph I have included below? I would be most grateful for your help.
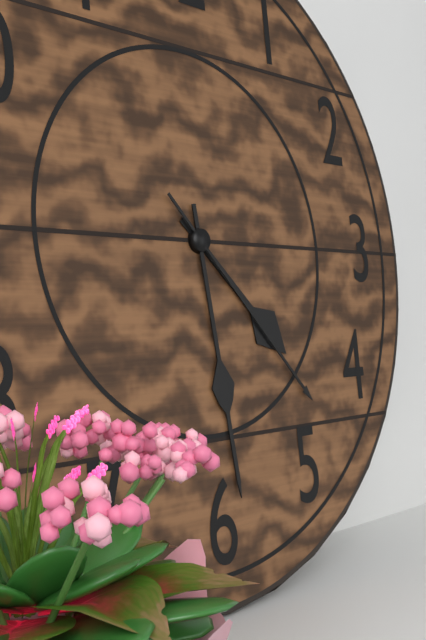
4:29:23
